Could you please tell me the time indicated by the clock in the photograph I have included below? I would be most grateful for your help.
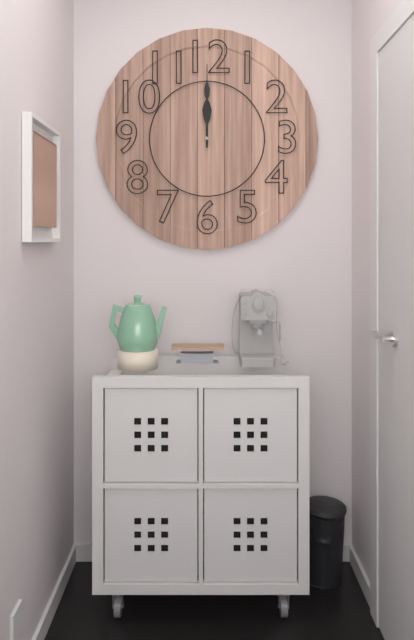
12:00
